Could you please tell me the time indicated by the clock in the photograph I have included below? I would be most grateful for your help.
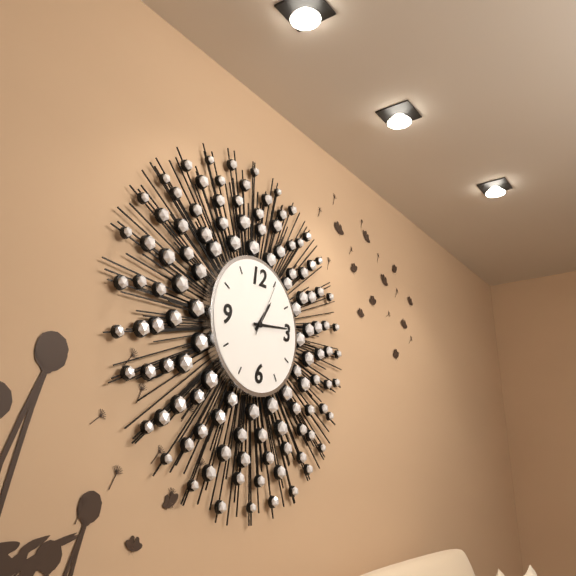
1:14:05
